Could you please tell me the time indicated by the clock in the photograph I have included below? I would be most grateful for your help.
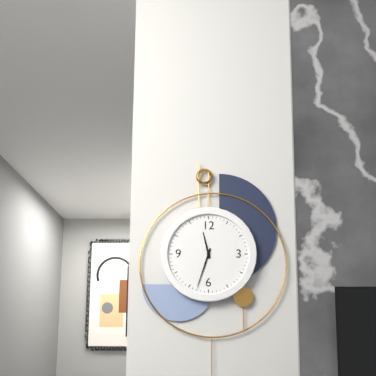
11:33
